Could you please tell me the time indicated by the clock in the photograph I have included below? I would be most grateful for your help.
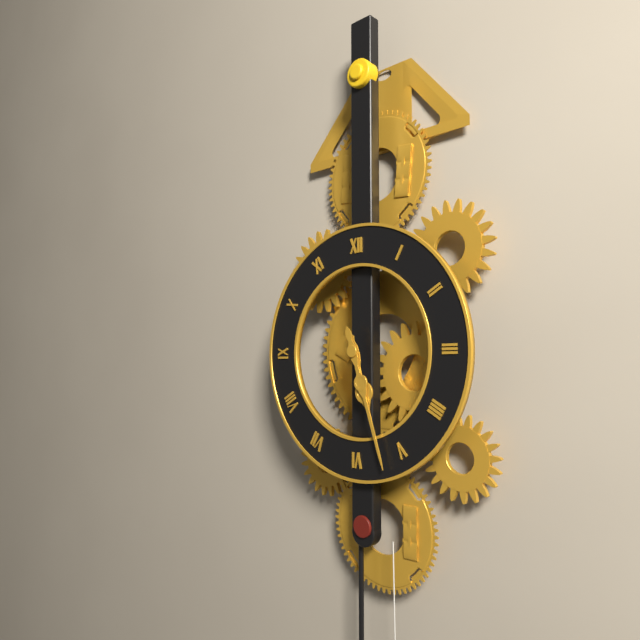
5:27
